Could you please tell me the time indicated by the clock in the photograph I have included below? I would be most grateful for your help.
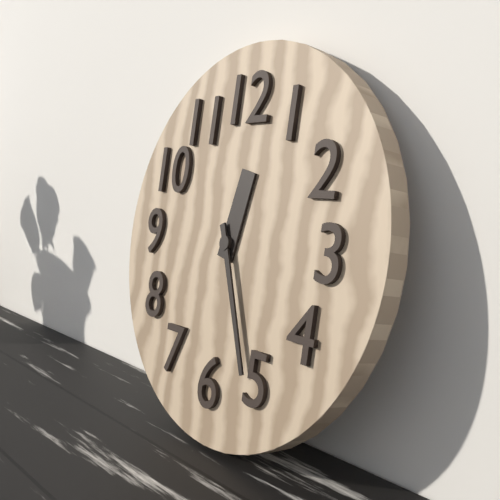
12:26
